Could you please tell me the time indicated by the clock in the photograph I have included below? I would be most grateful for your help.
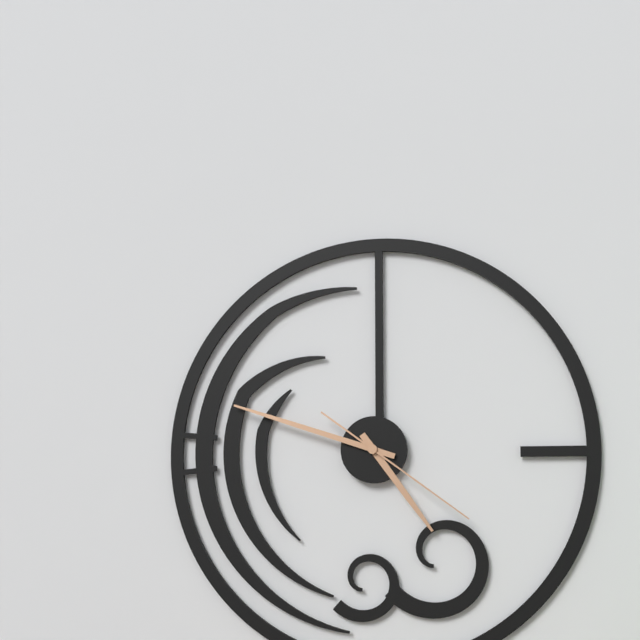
4:48:21
